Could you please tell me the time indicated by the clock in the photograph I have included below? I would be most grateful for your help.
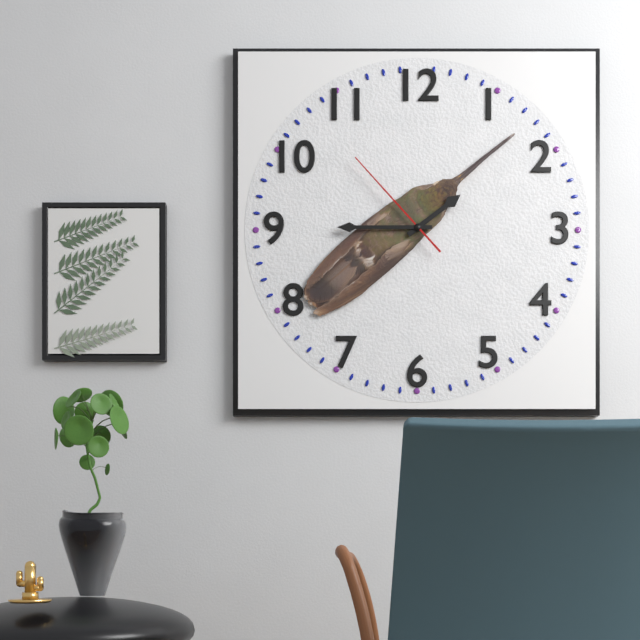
1:45:53
